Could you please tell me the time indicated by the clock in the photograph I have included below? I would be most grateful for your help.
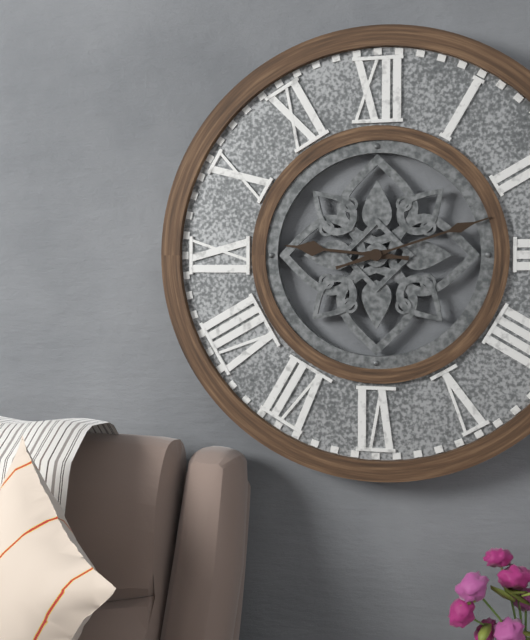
9:12
